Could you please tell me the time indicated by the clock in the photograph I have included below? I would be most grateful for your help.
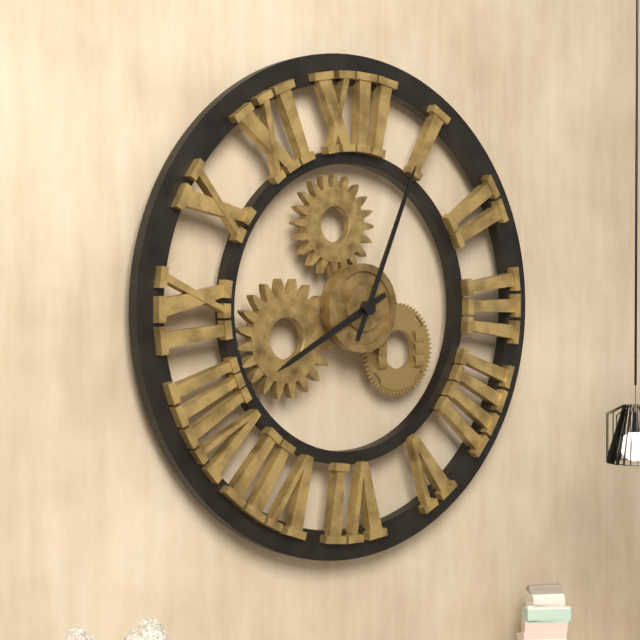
8:04
